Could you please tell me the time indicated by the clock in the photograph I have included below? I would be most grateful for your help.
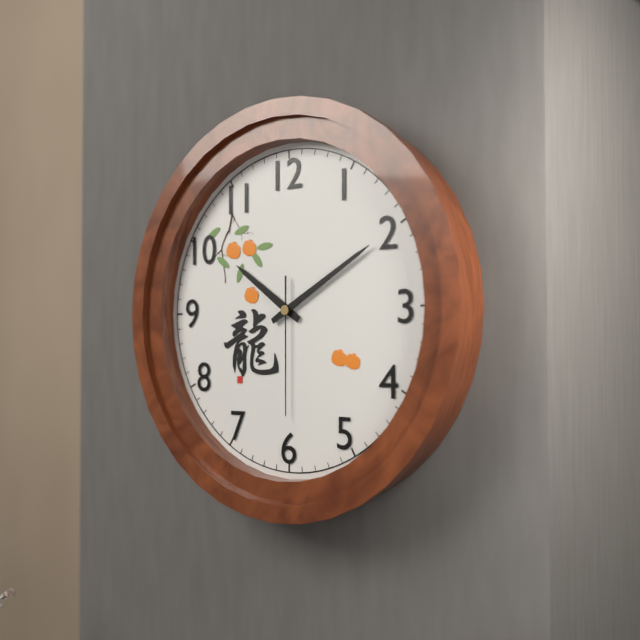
10:10:30
